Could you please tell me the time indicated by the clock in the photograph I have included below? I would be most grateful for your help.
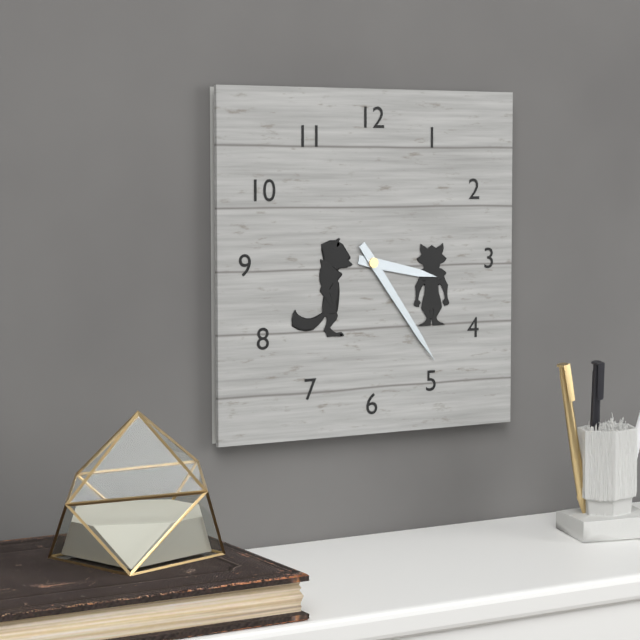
3:24
